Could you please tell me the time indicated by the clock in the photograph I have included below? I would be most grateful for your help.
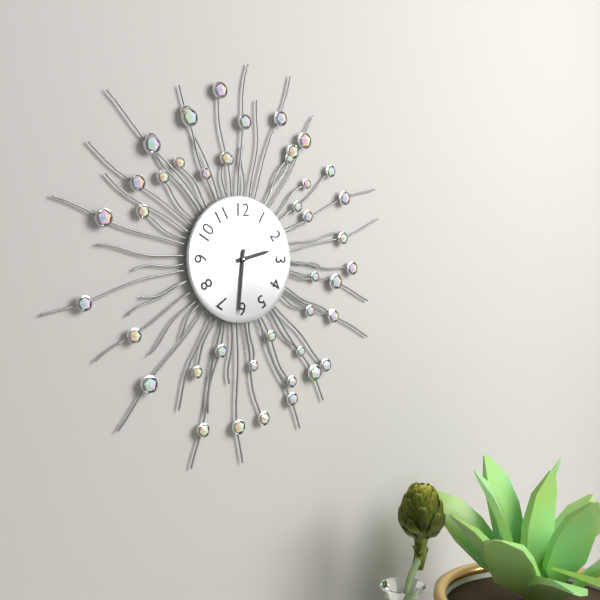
2:31
